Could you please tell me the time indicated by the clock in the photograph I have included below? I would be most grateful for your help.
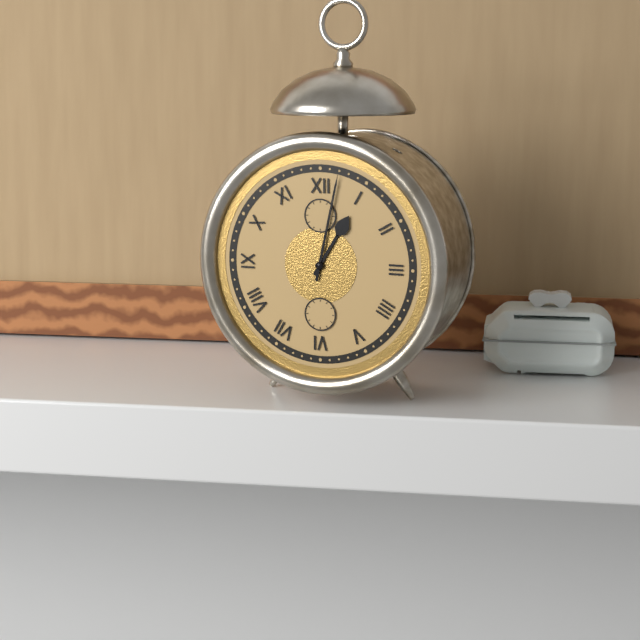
1:02
